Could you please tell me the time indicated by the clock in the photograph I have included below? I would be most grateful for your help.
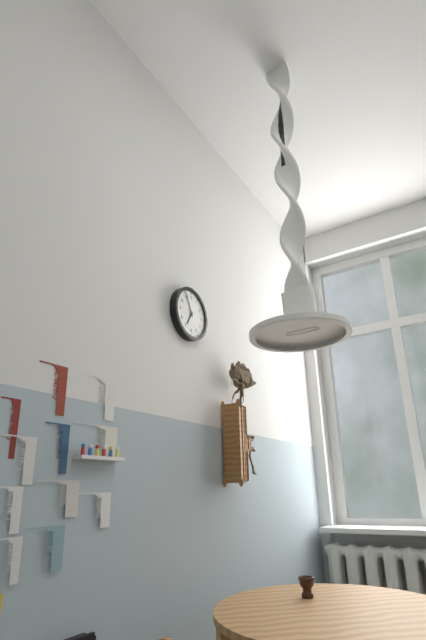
6:56
